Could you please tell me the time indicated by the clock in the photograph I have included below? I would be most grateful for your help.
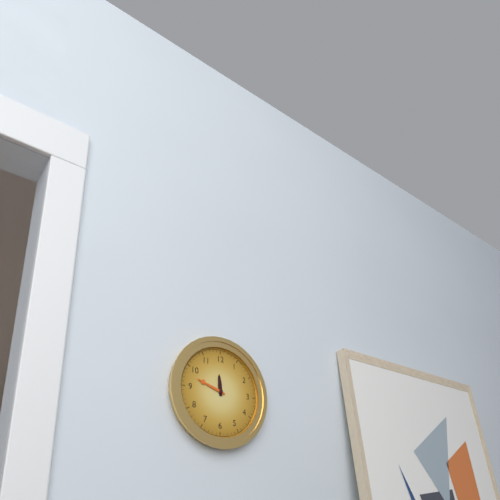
11:48
